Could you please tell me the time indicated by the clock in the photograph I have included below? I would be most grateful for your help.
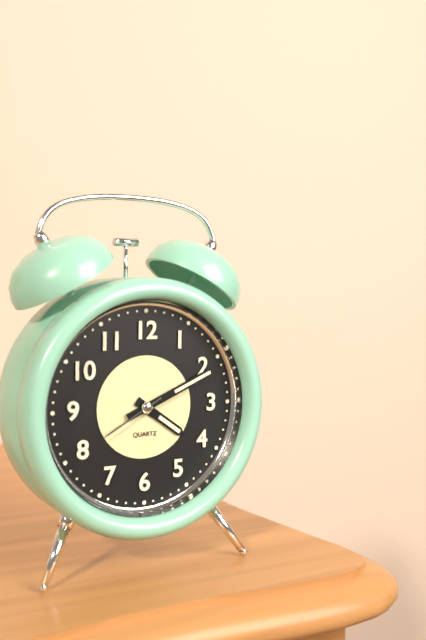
4:11:40
